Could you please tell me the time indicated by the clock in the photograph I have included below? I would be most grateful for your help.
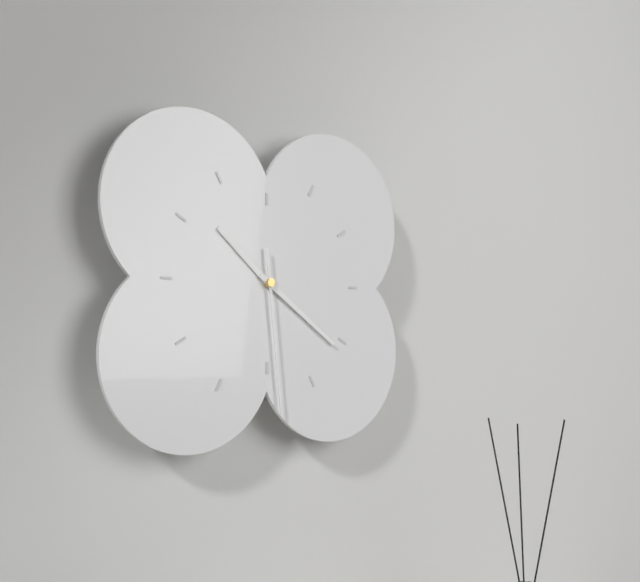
10:21:29
